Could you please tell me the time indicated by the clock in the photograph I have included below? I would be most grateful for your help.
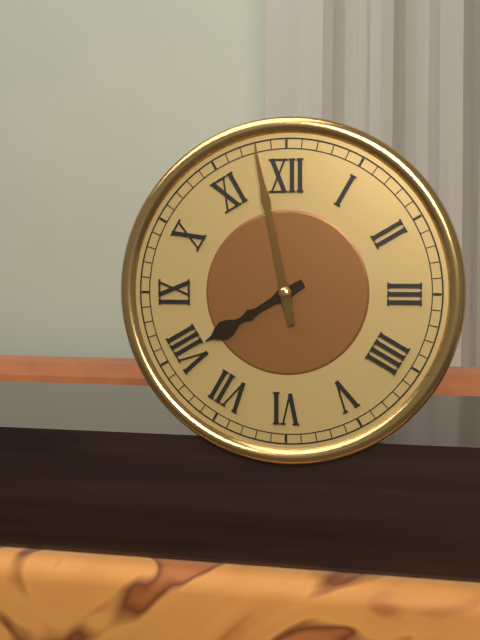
7:58
